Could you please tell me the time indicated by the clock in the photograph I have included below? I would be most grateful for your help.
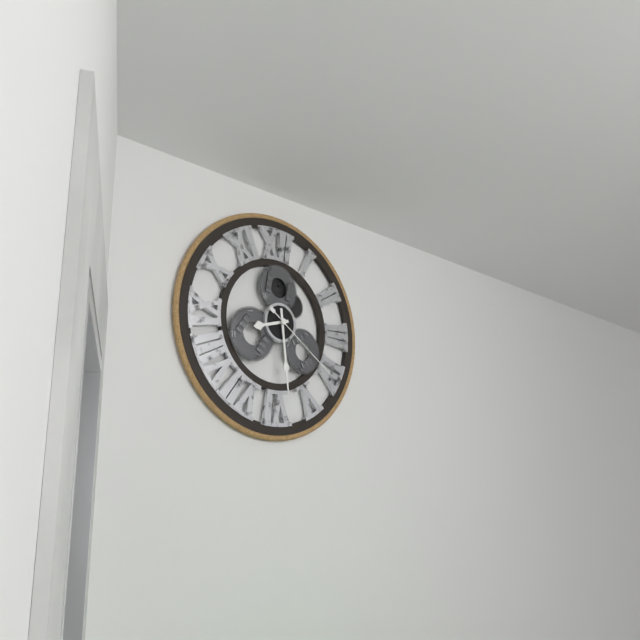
8:29:21
